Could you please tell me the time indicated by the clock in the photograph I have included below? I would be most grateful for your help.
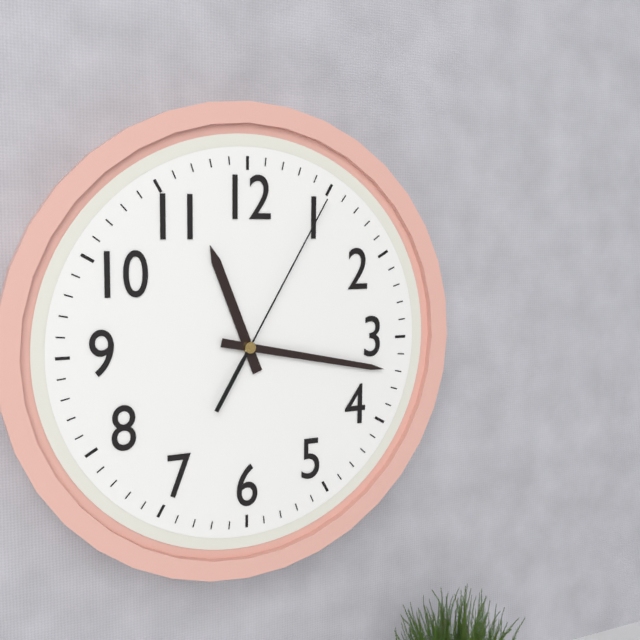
11:17:05
